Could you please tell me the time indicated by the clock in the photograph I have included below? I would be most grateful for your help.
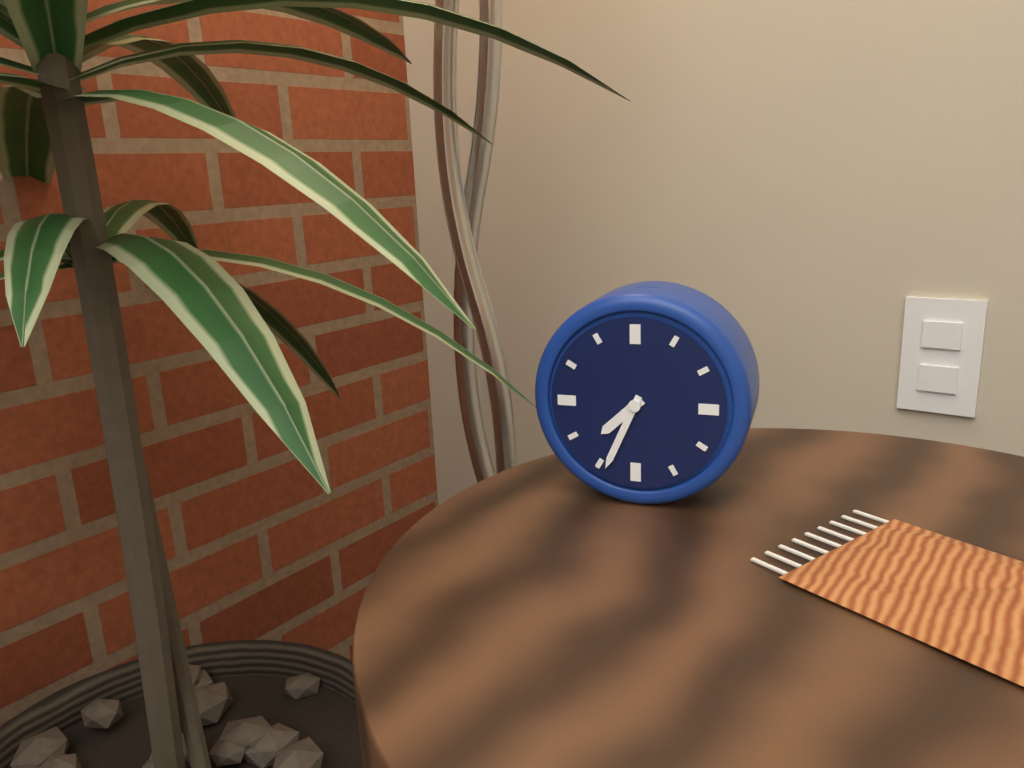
7:34
